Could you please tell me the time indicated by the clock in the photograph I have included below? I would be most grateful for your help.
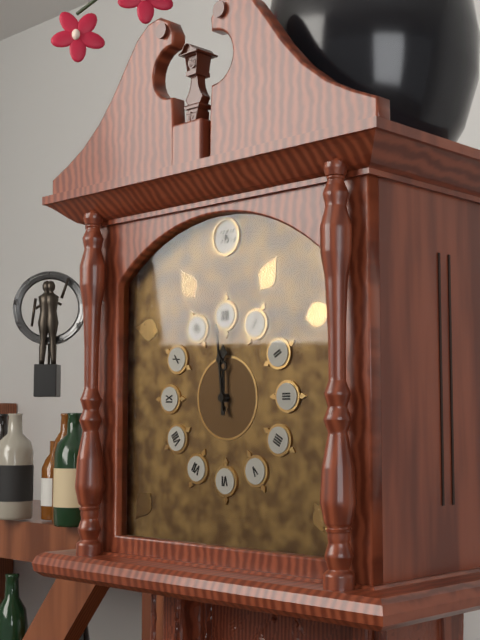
11:59
